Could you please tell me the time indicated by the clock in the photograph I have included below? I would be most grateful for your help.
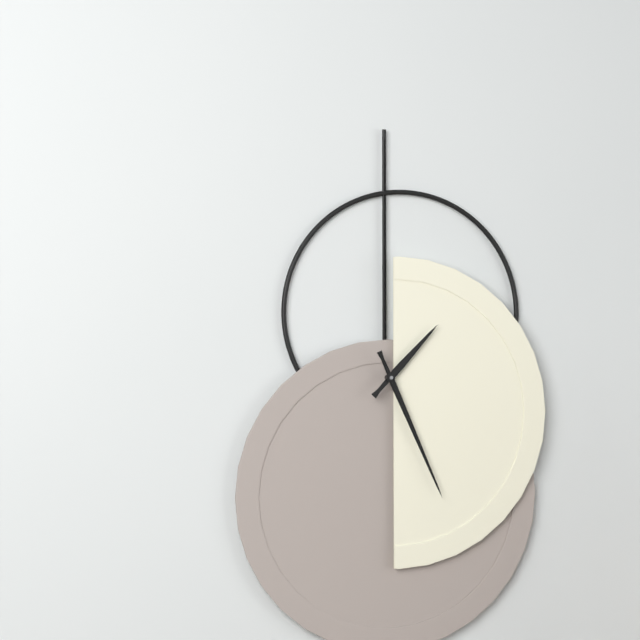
1:26:26
